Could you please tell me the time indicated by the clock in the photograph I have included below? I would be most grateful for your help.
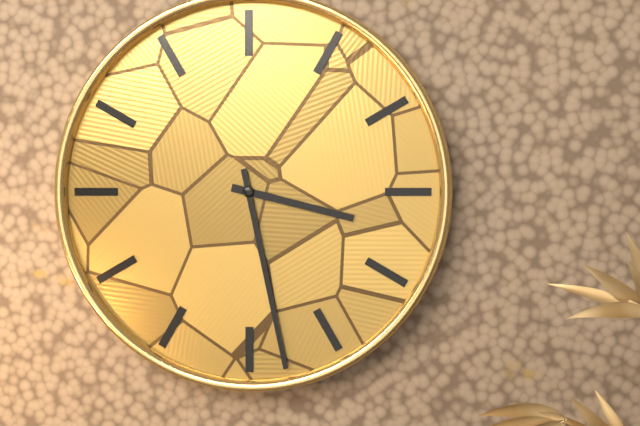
3:28
